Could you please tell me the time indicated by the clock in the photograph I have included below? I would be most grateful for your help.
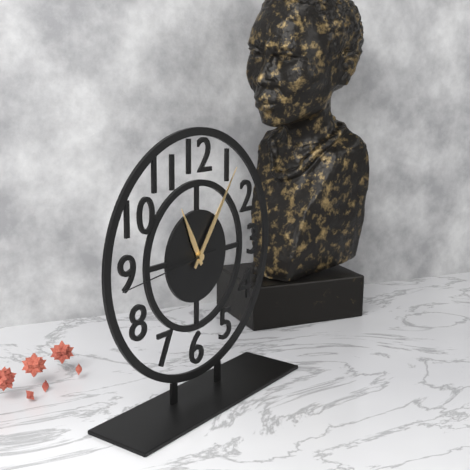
11:06:44
